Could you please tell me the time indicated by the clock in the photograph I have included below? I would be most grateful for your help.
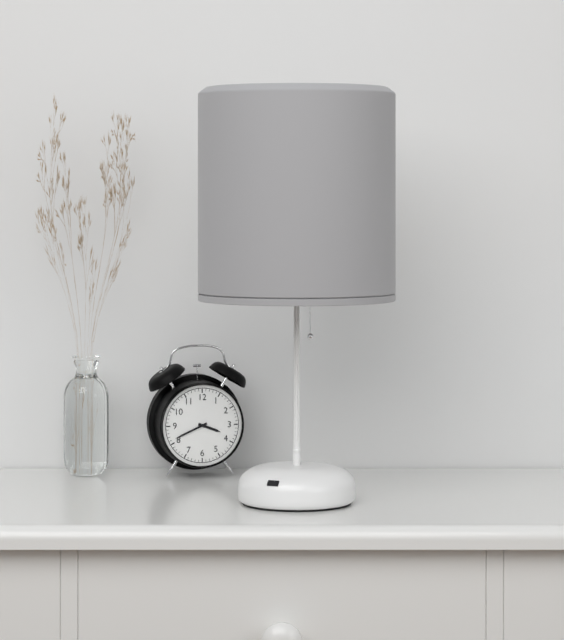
3:41
